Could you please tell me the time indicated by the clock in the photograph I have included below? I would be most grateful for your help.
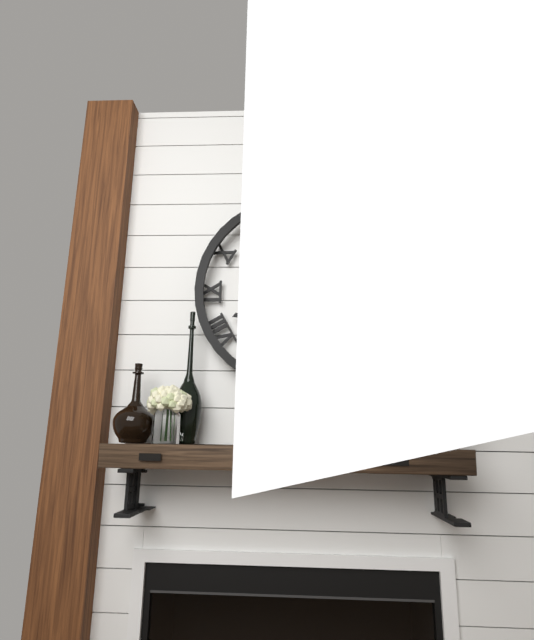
10:41
